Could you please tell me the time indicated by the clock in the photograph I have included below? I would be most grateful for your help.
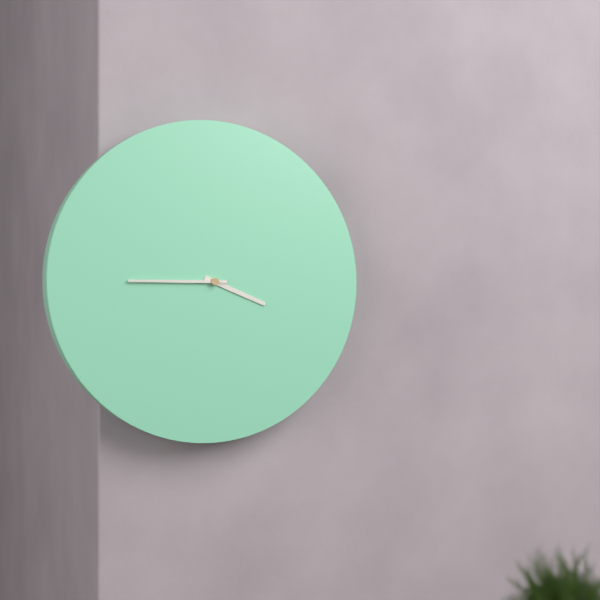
3:45
